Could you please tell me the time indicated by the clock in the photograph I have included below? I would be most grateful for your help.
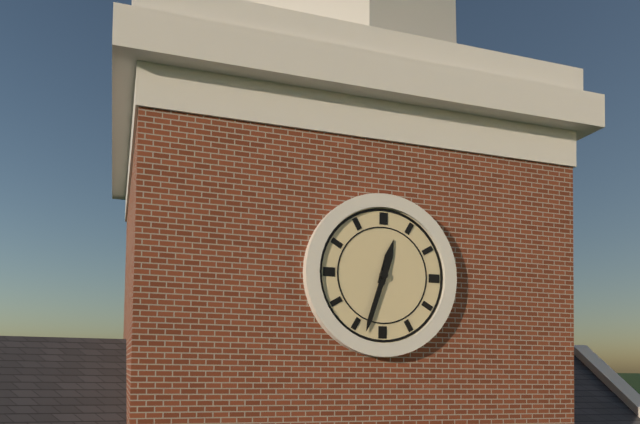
12:33
